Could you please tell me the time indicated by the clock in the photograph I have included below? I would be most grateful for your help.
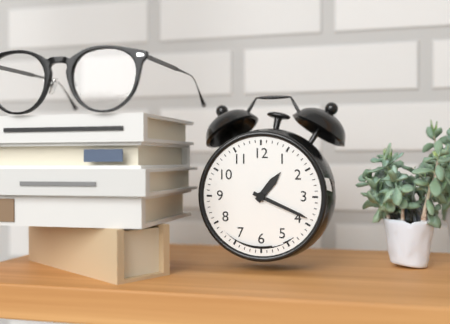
1:19
